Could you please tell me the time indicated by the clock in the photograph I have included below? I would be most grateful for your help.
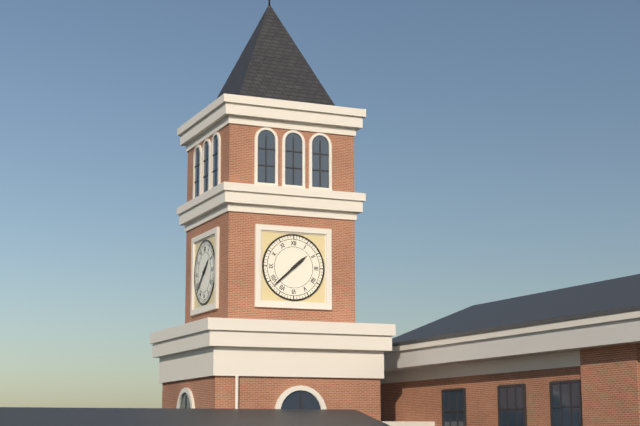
1:38
